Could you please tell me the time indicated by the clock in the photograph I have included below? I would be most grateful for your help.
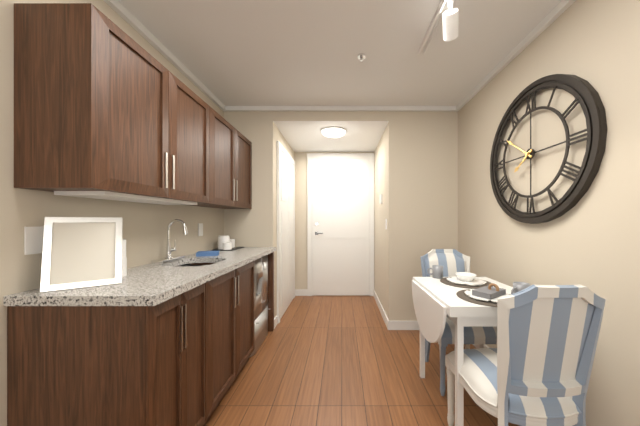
7:51
